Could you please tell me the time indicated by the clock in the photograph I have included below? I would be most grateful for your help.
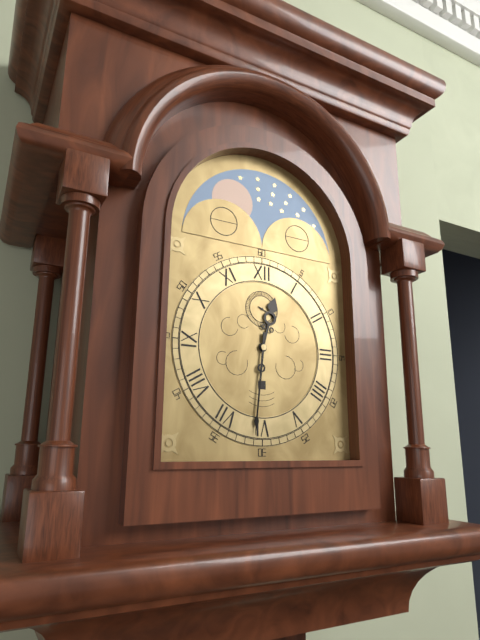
12:31
